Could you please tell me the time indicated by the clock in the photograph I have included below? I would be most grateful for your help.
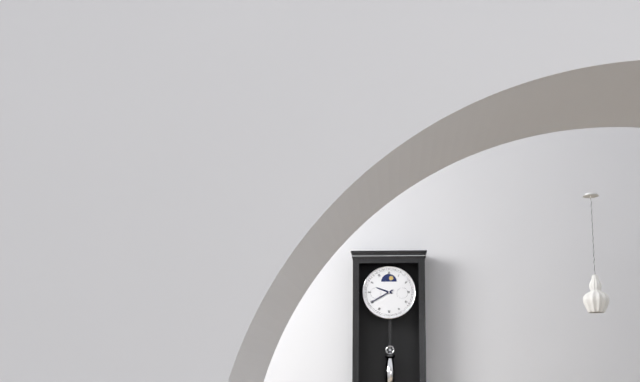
9:40
